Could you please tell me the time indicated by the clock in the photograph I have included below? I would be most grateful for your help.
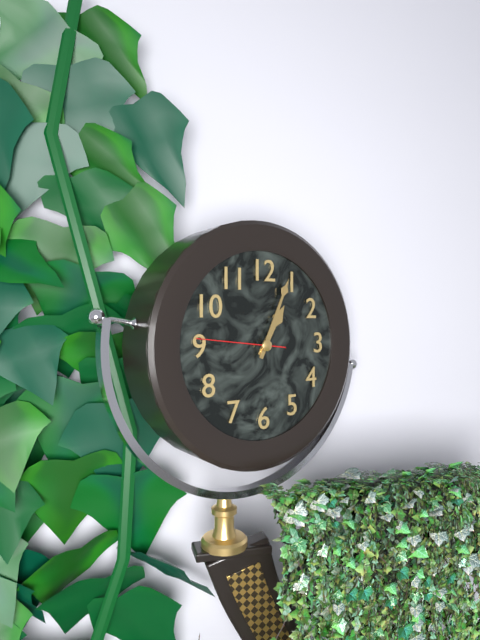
1:04:46
